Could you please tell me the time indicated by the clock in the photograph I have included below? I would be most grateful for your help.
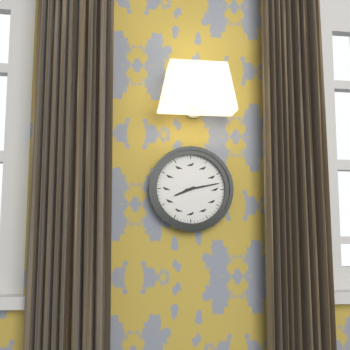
8:13
